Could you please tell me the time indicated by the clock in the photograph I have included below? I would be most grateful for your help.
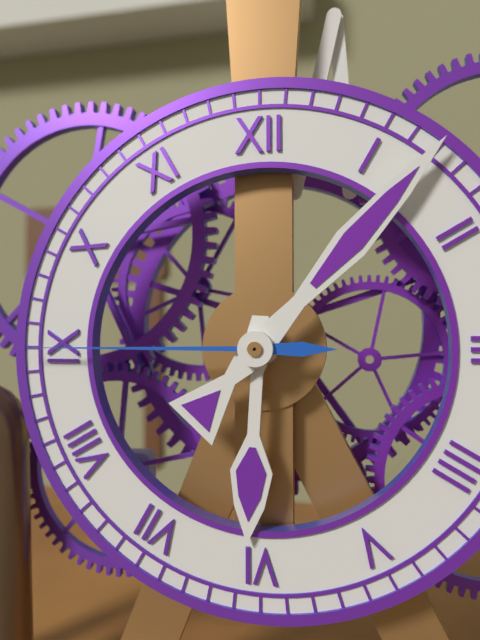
6:07:45
